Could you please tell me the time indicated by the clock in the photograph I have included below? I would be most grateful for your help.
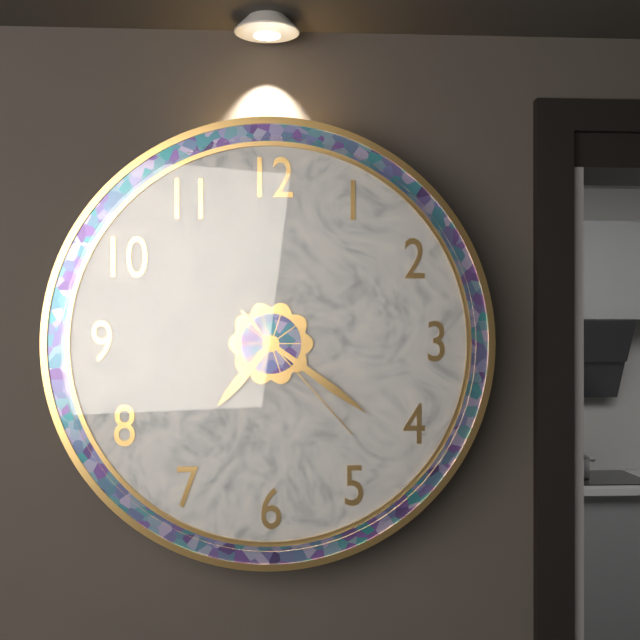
7:21:23
